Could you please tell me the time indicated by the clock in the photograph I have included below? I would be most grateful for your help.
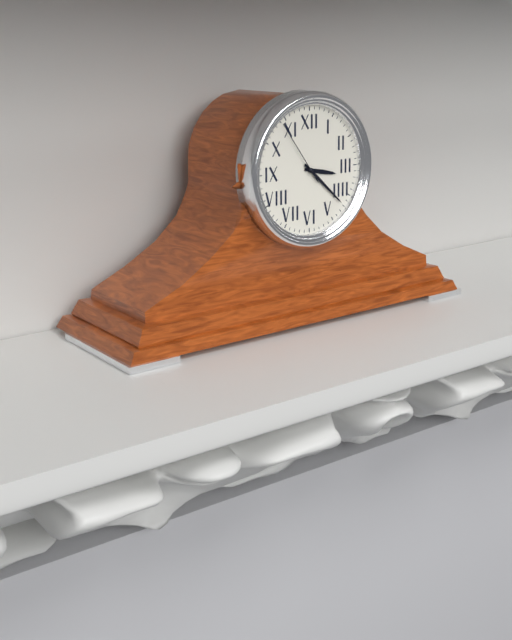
3:22:54
